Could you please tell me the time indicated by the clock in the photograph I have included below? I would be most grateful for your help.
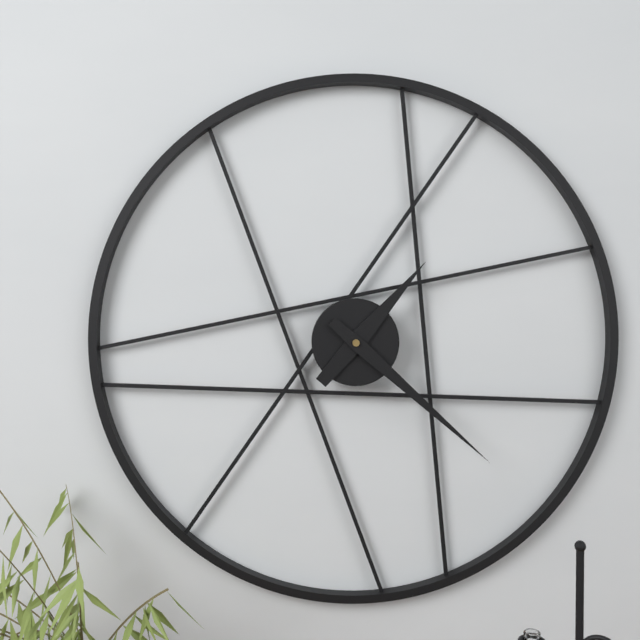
1:22
